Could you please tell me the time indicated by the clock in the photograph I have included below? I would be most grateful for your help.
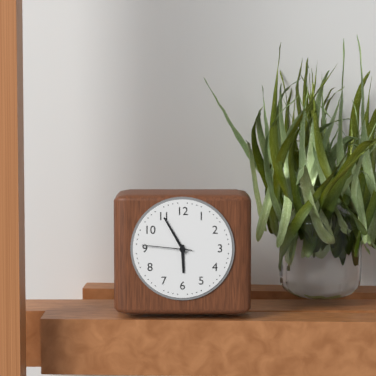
5:55:46
